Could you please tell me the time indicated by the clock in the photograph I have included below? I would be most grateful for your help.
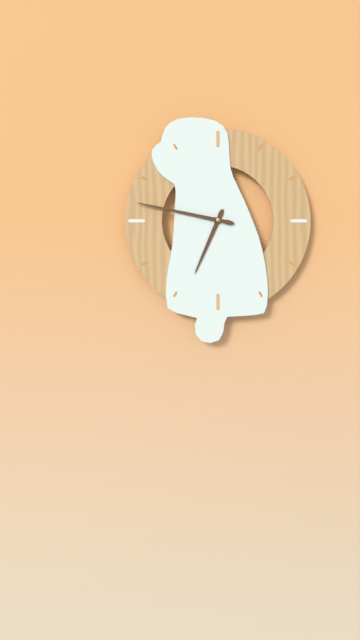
6:47
